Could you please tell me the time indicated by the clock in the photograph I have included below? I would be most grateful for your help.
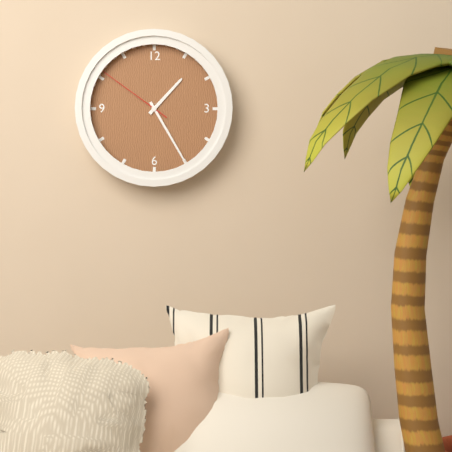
1:25:51
